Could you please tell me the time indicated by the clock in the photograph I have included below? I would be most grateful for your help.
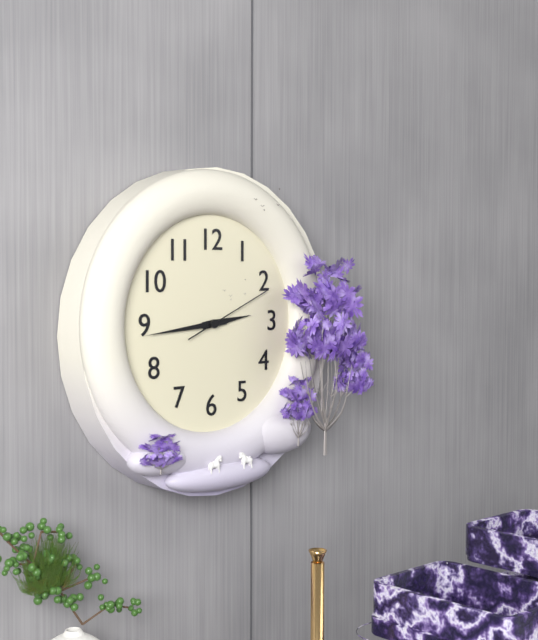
2:44:11
